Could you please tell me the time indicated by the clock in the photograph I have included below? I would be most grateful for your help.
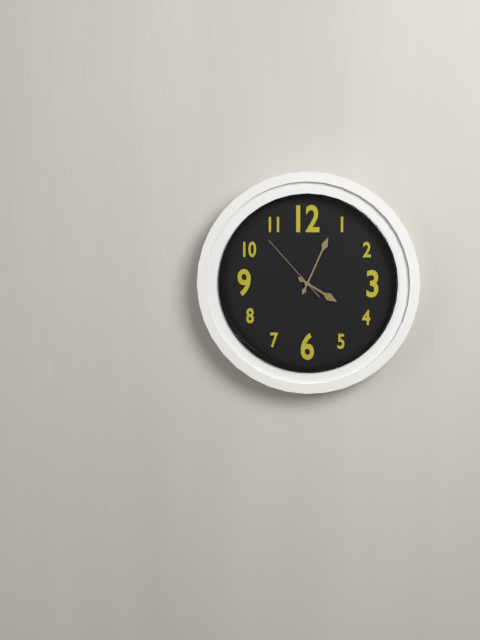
4:04:53
